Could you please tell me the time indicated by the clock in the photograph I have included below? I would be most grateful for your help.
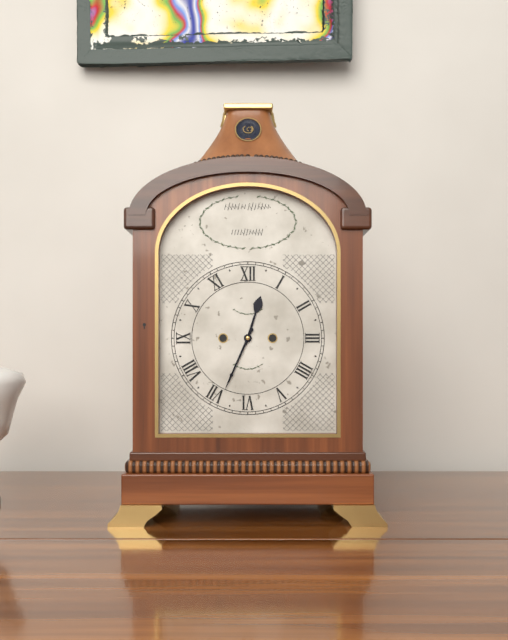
12:34
